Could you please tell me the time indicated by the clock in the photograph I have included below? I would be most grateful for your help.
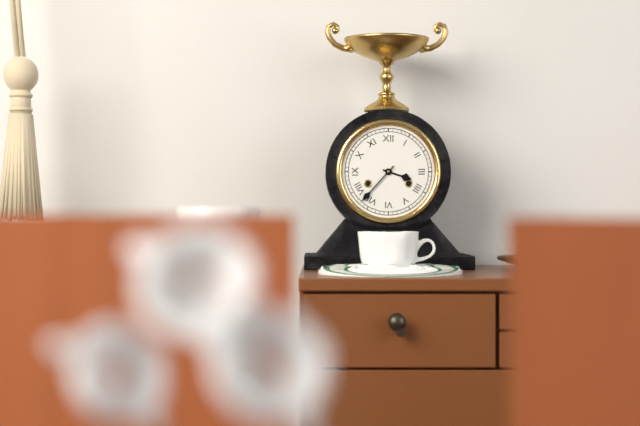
3:37
